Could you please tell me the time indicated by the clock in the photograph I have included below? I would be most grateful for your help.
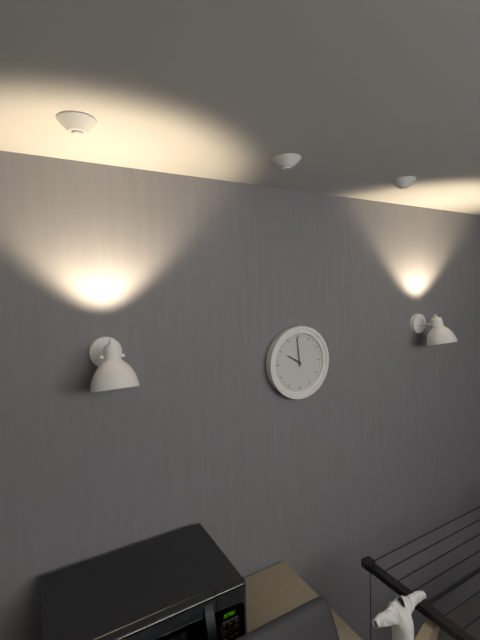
9:59
